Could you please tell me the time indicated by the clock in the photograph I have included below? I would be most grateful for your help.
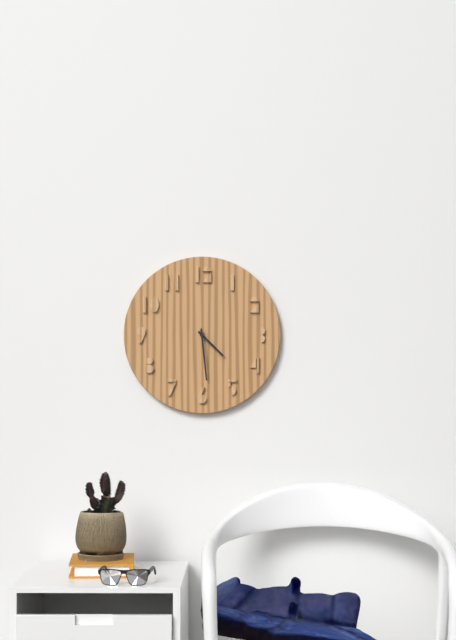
4:29
